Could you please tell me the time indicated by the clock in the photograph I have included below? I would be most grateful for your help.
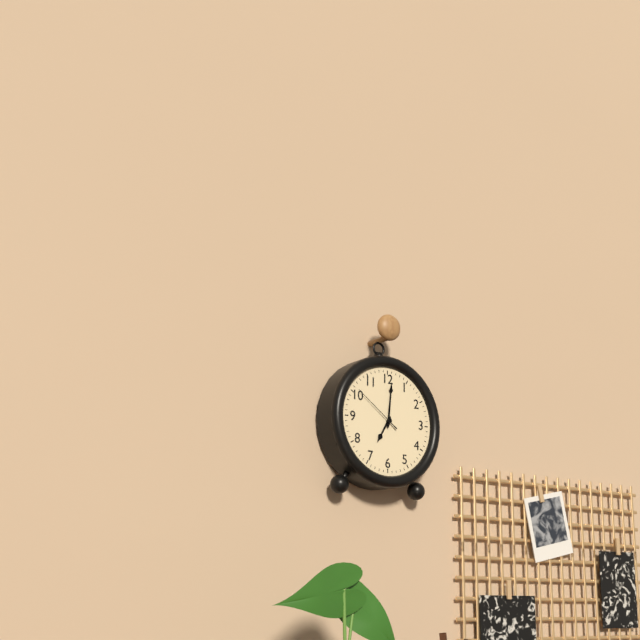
7:01:51
